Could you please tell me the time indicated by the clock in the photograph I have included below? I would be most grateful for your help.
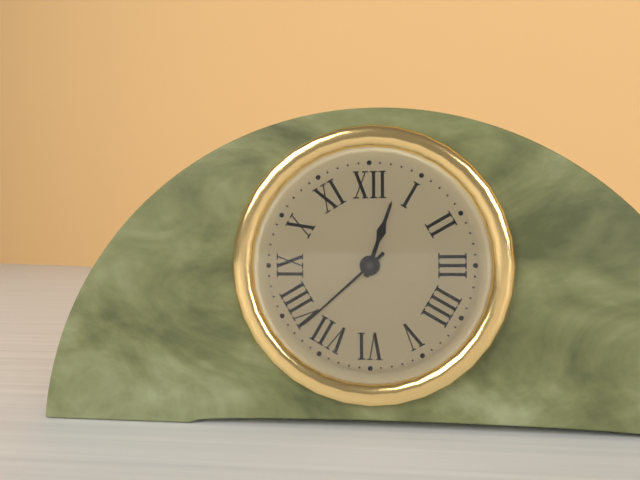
12:38
